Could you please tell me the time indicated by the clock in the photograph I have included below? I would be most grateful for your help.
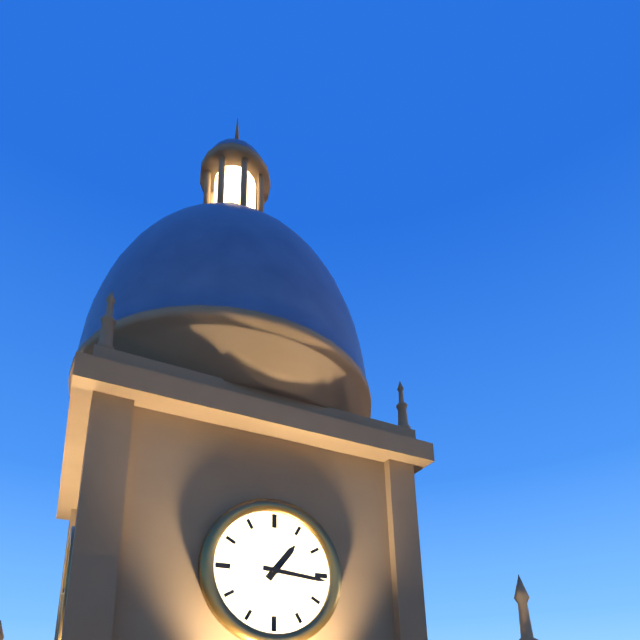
1:16
